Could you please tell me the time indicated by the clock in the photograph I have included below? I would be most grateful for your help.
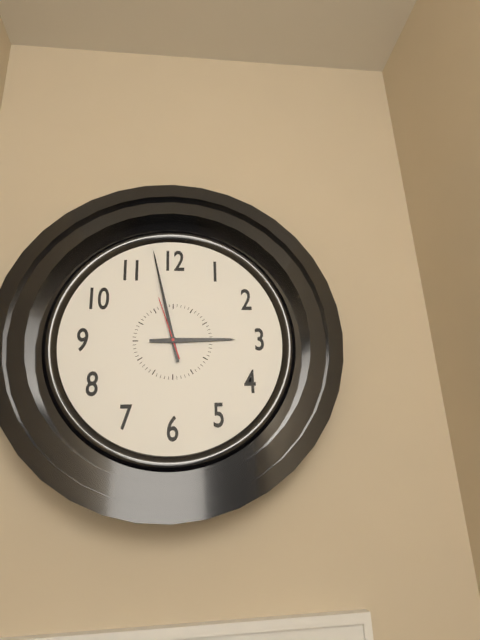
2:58:57
